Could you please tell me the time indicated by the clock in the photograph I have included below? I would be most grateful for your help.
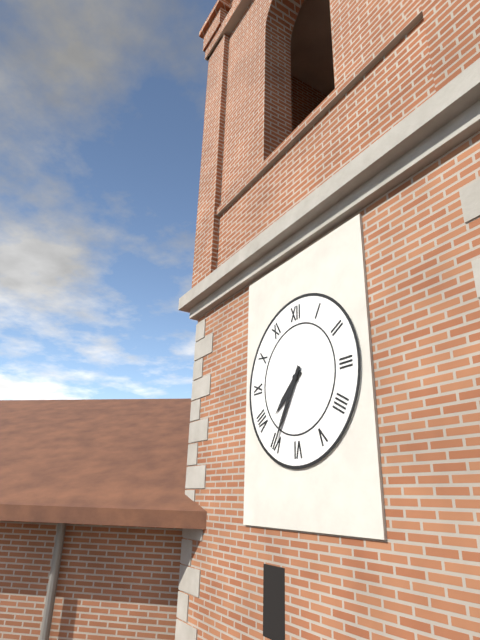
7:35
